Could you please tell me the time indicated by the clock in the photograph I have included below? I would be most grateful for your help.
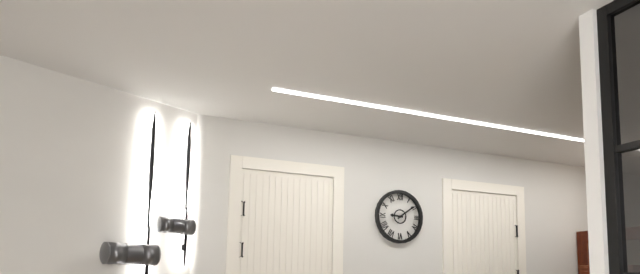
9:09
